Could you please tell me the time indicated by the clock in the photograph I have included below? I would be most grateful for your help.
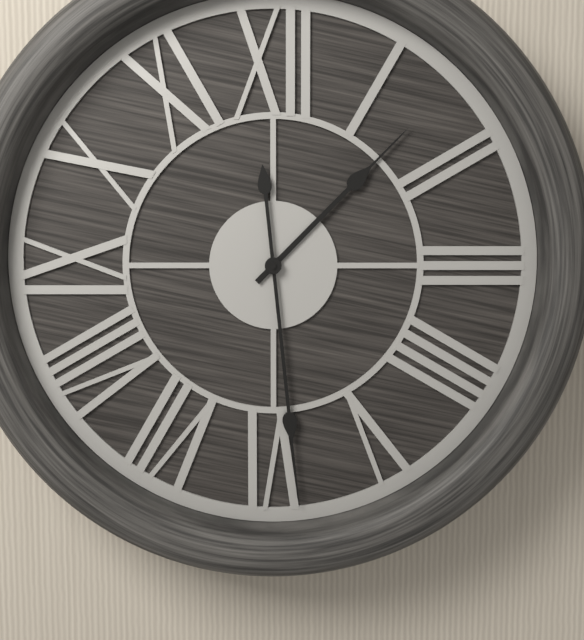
1:29
